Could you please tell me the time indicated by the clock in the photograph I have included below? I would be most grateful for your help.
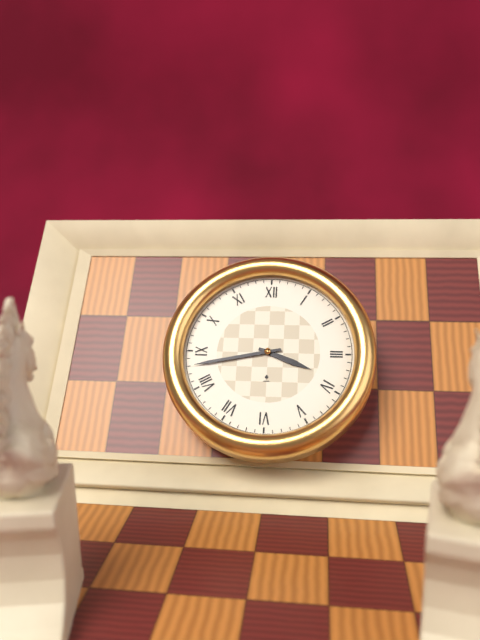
3:43
